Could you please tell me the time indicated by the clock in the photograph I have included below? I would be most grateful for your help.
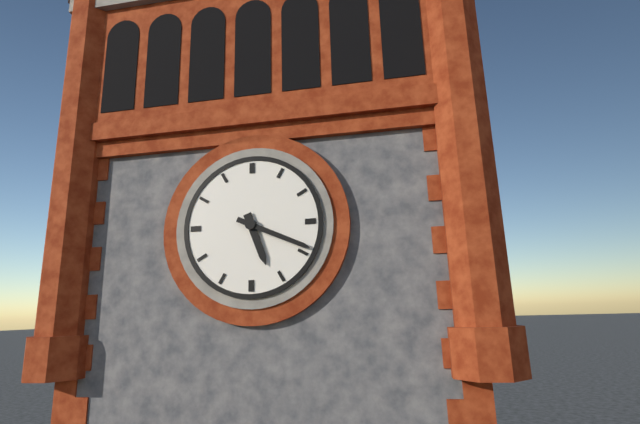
5:19
